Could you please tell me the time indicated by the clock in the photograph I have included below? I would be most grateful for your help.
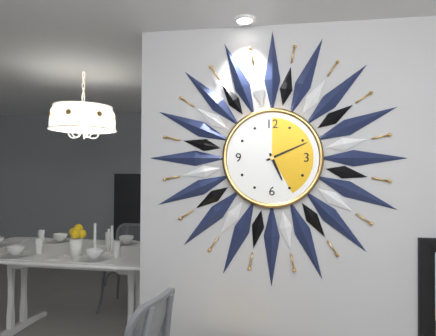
5:11
